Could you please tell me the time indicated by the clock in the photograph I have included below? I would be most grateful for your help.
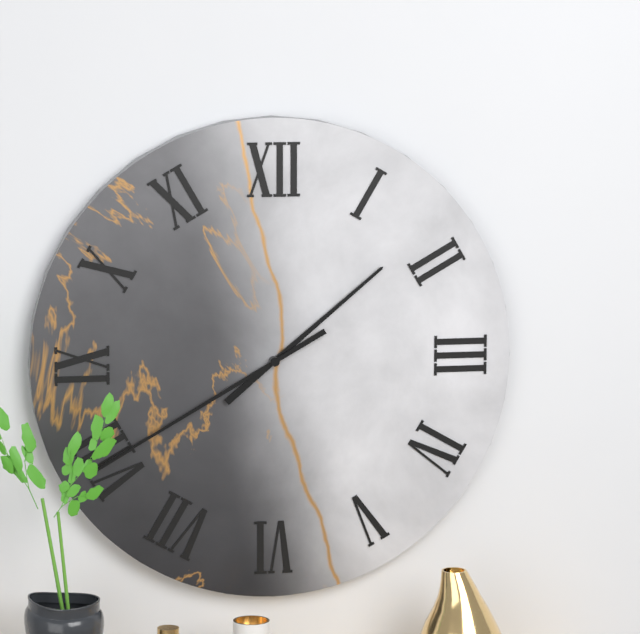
1:40
